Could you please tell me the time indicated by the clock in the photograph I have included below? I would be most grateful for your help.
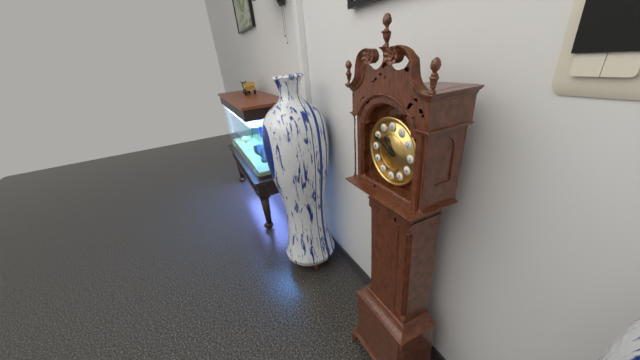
10:49
